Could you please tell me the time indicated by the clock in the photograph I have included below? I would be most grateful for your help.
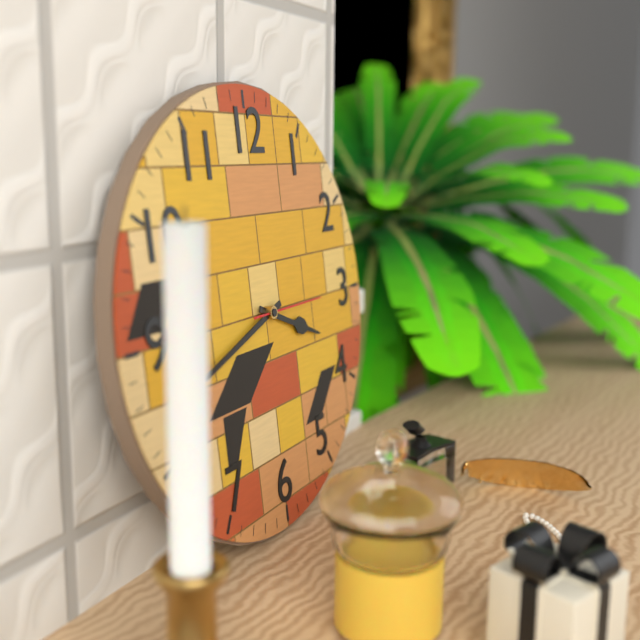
3:42:15
